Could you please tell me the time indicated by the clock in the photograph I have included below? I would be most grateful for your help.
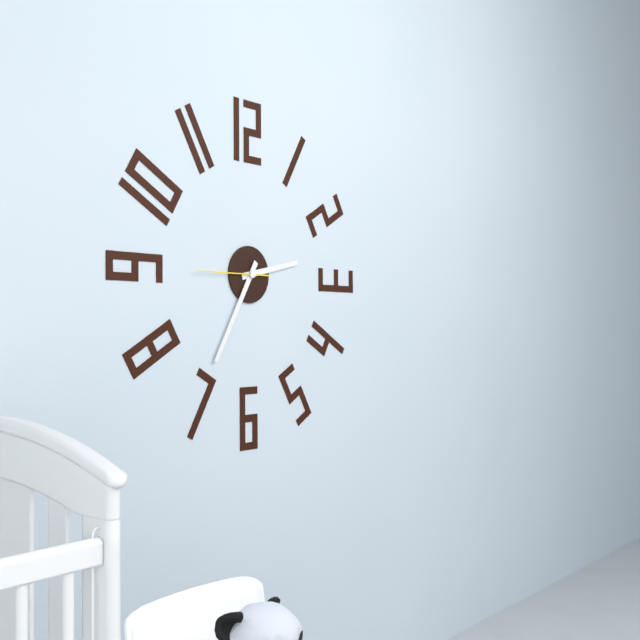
2:35:45
